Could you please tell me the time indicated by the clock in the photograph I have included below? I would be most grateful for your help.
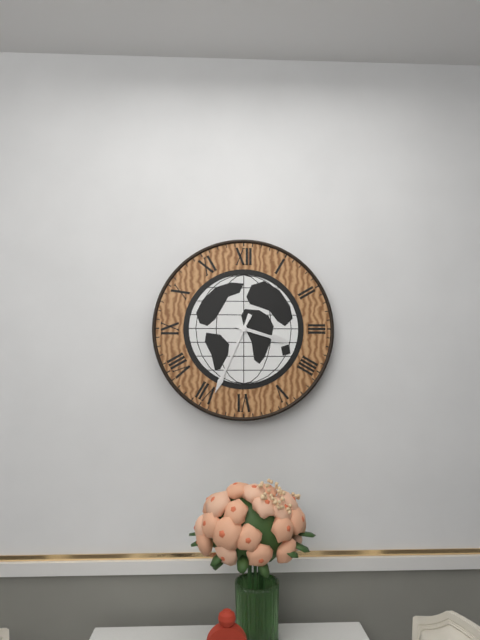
3:34
